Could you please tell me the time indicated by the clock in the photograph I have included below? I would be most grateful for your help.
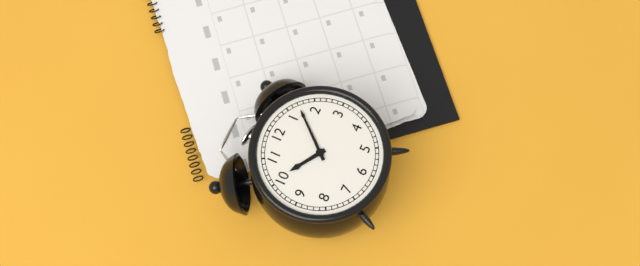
10:07
